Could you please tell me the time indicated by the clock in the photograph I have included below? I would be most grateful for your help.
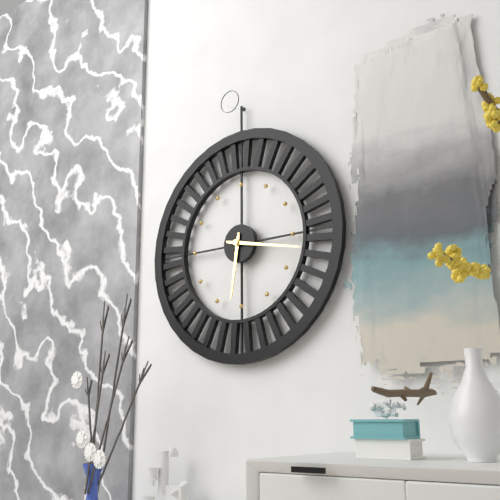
6:17
